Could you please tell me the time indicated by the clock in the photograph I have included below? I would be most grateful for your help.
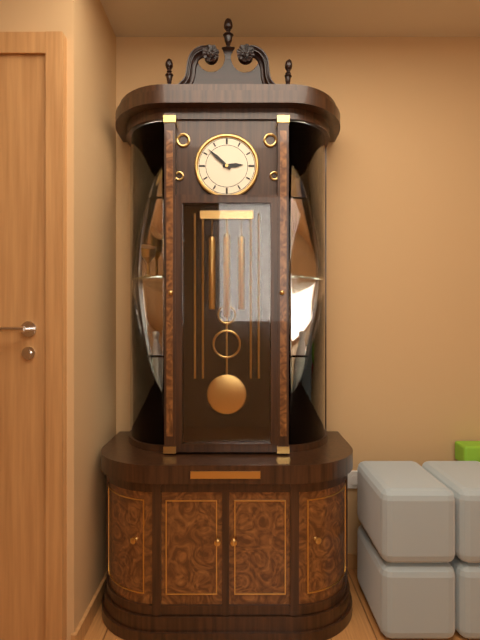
2:52
